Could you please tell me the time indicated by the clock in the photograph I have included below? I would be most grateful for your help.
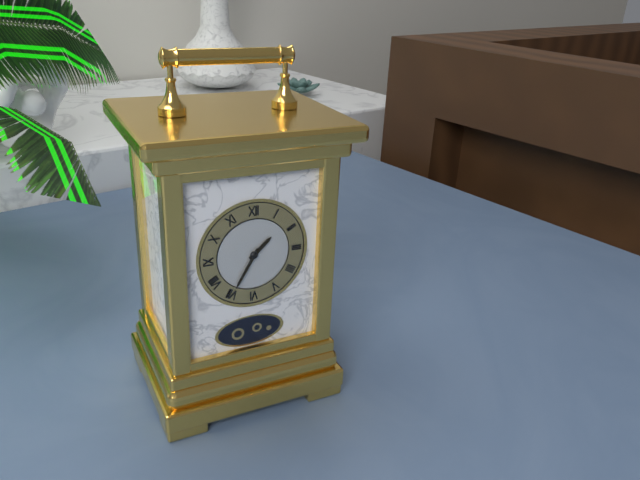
1:35
